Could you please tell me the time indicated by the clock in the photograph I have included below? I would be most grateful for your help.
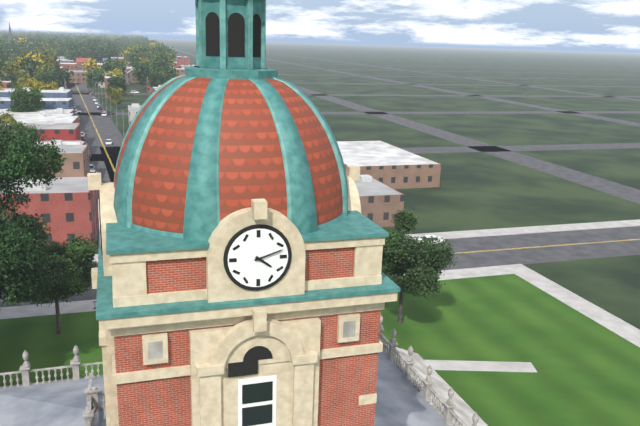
4:12
